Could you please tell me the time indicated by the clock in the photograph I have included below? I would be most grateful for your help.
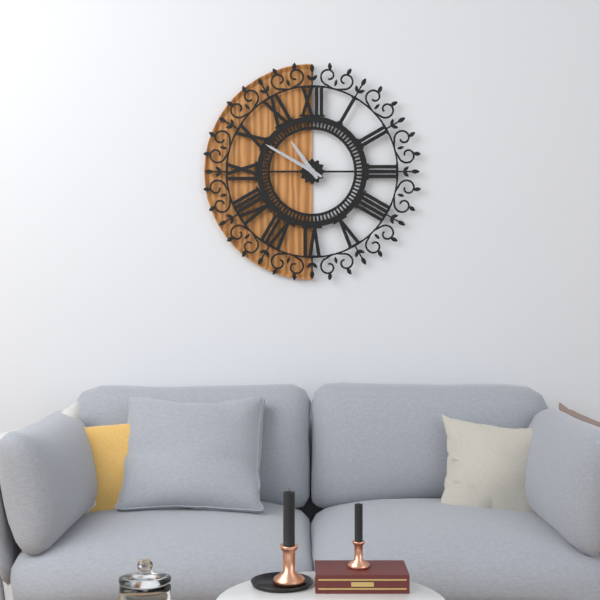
10:50
